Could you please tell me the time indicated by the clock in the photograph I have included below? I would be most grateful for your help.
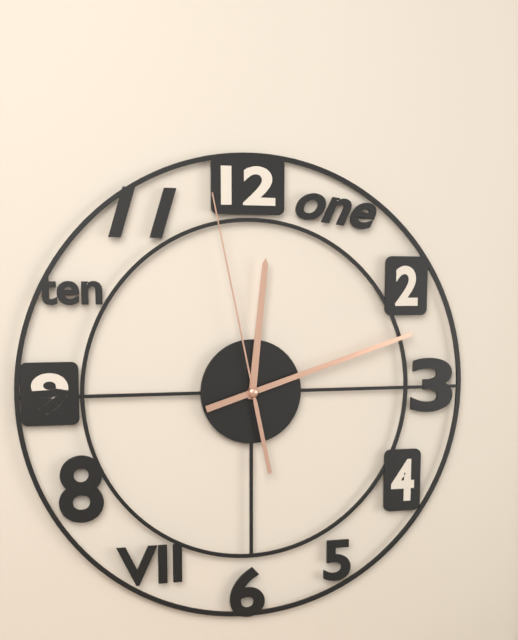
12:12:58
